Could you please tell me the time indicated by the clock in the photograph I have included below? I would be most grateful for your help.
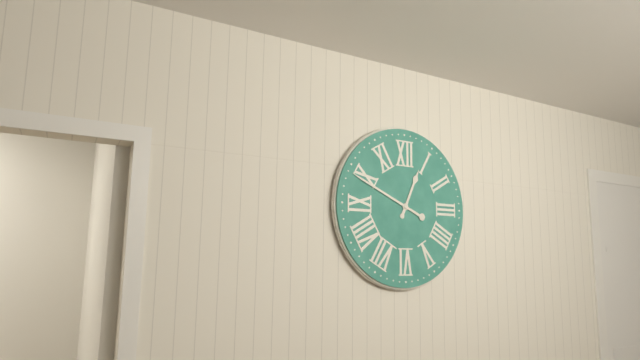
12:49
